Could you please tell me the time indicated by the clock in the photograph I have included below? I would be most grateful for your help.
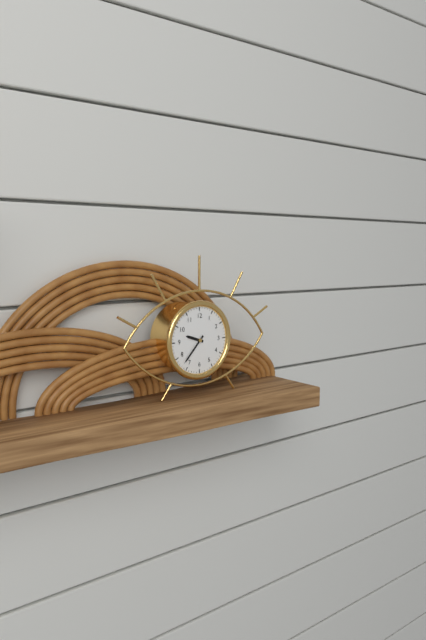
9:37
